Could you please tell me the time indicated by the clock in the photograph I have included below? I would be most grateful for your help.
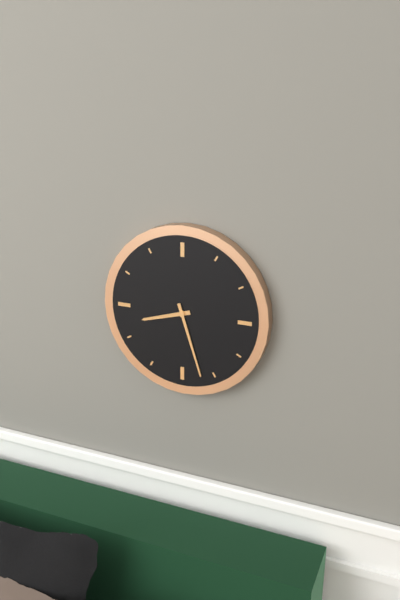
8:27
